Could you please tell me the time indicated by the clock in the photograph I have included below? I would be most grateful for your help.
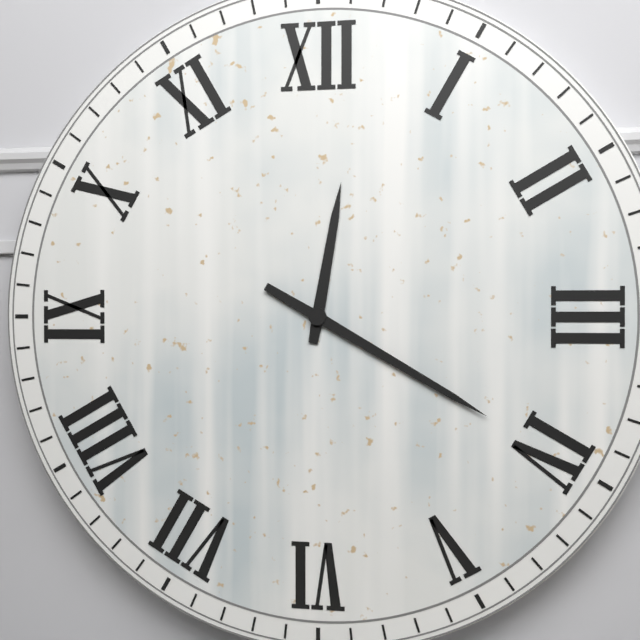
12:20
